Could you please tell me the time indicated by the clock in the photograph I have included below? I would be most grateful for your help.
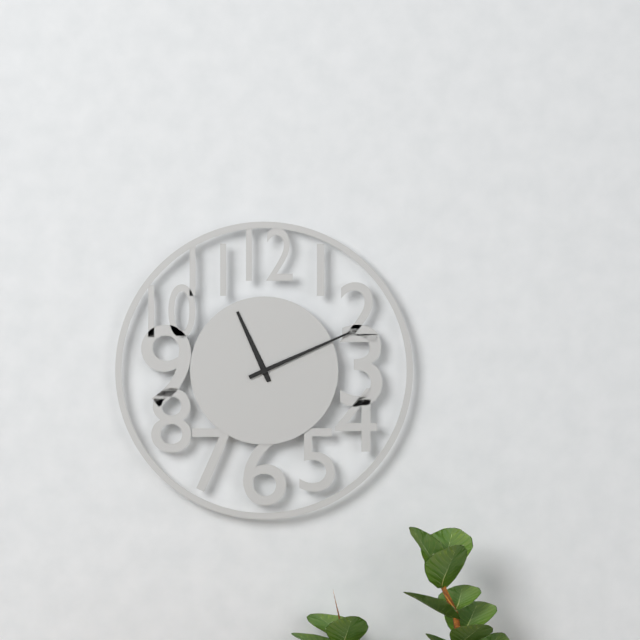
11:11
